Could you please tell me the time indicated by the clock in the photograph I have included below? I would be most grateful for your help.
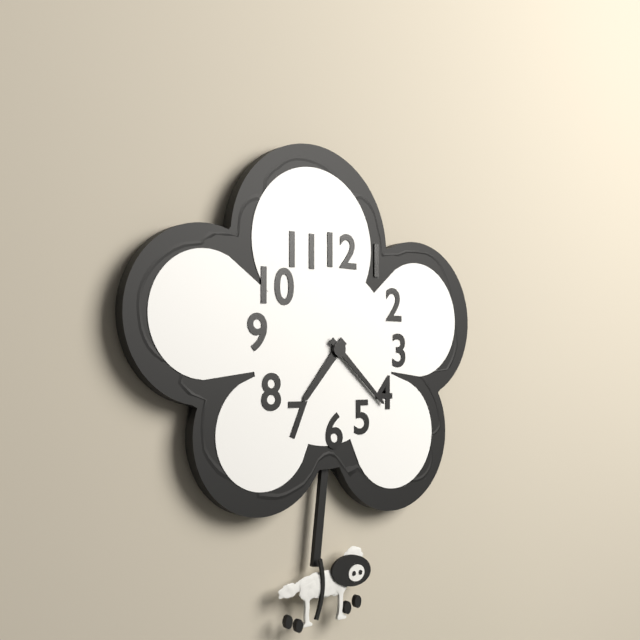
7:22
